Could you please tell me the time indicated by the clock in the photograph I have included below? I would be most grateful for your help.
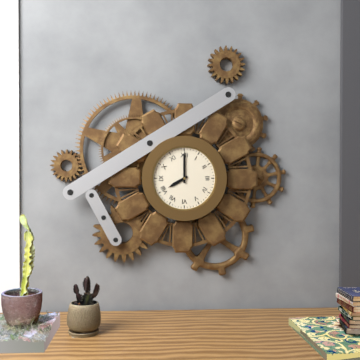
8:00
